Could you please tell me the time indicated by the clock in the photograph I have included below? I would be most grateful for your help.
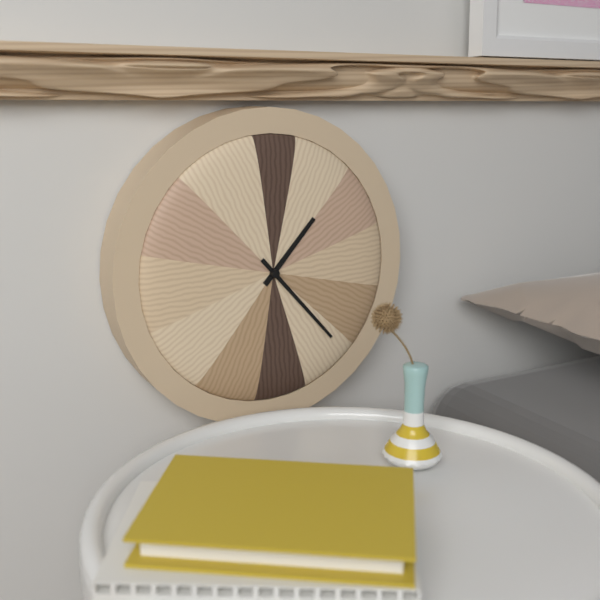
1:23
